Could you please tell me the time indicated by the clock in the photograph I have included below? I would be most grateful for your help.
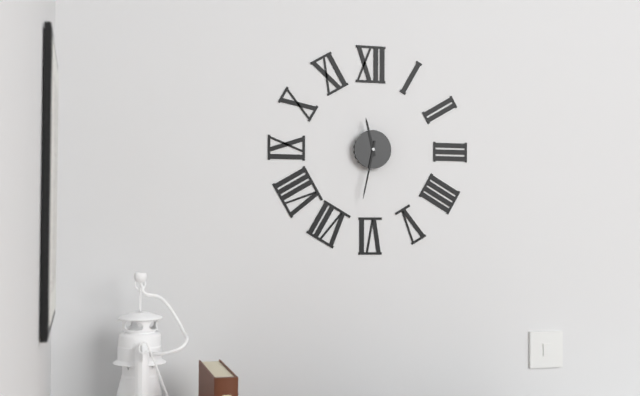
11:32
